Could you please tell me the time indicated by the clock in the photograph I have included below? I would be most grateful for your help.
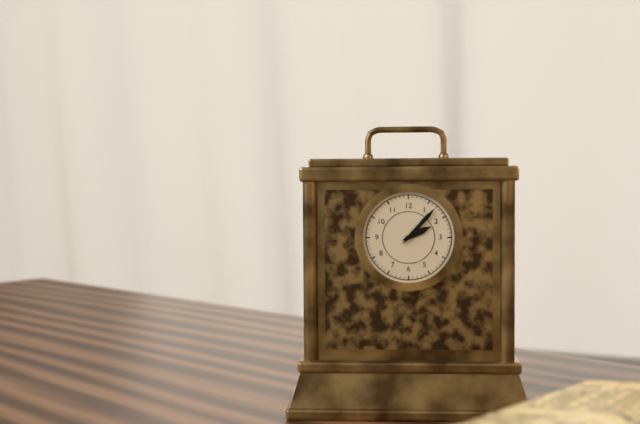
2:07
